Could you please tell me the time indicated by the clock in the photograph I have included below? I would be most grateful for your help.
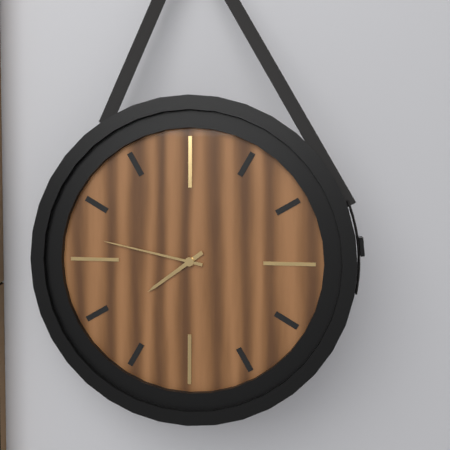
7:47
